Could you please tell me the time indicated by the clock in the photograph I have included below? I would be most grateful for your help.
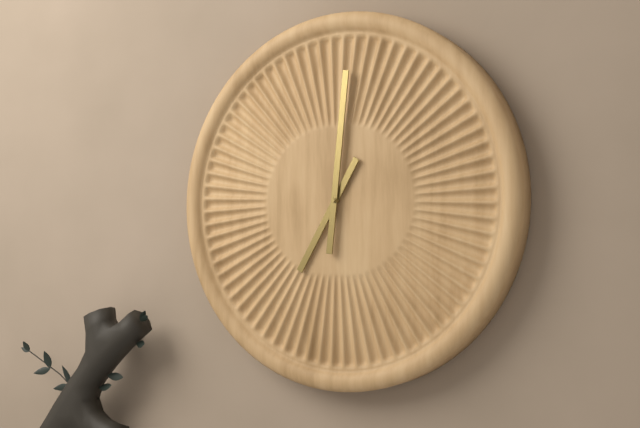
7:01
